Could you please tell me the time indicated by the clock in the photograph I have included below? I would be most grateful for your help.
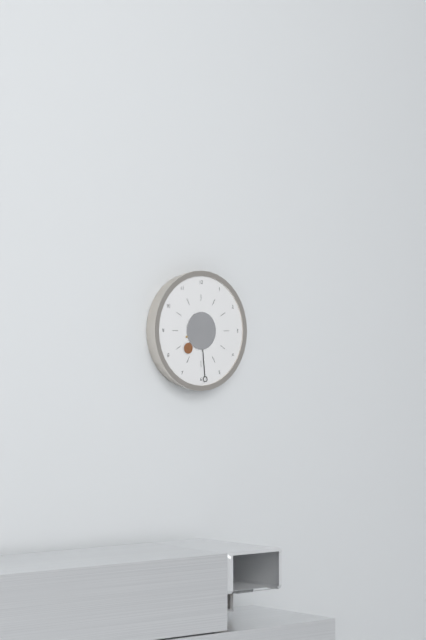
7:29
